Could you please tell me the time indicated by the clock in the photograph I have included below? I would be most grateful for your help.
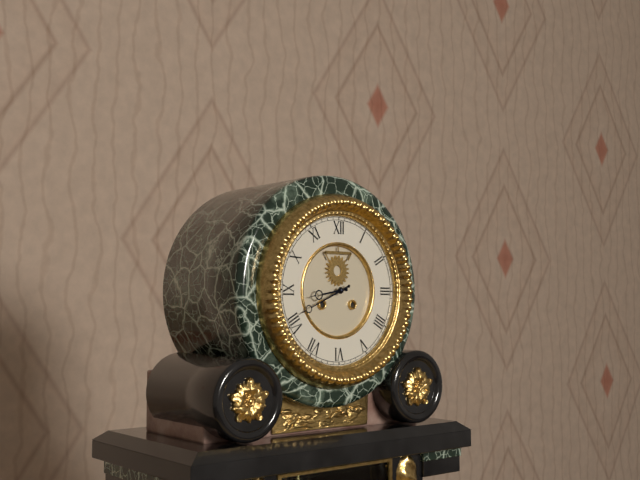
8:41
